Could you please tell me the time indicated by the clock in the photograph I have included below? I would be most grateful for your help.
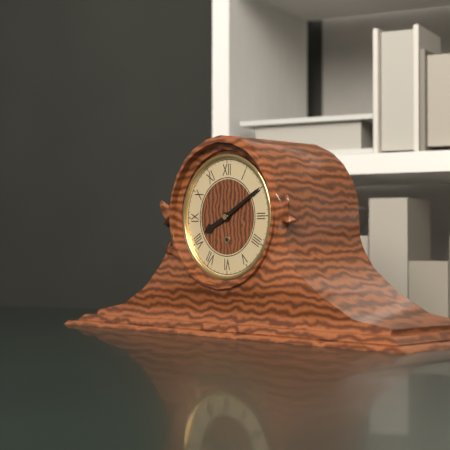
8:10
